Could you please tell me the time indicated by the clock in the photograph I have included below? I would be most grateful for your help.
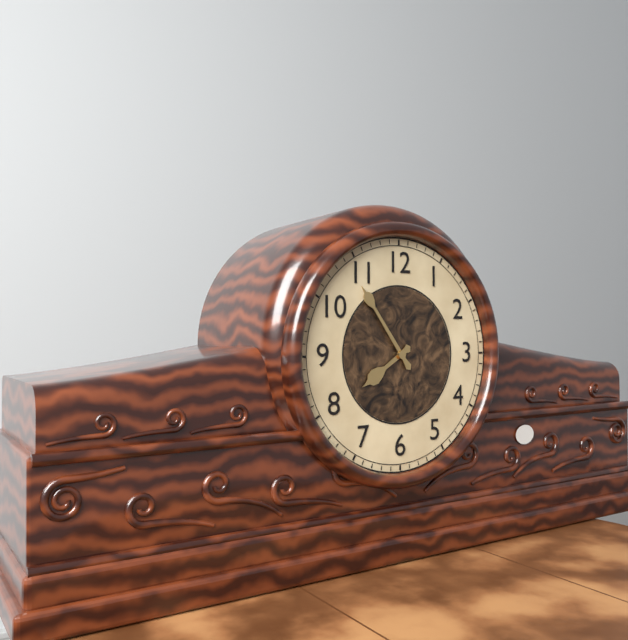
7:54
